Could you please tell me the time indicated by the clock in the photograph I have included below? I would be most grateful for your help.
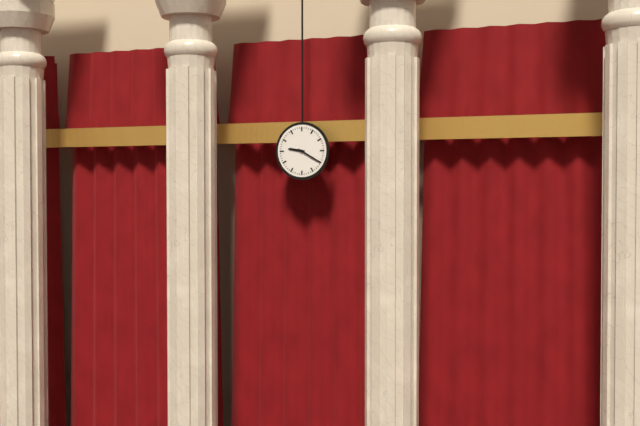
9:20
